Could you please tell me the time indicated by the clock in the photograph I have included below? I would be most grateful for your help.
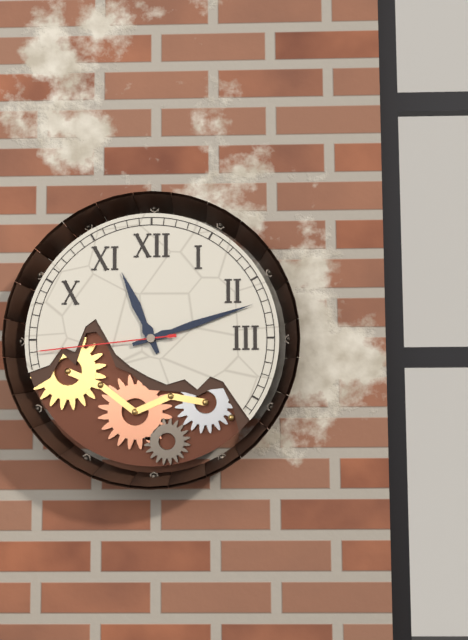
11:12:44
